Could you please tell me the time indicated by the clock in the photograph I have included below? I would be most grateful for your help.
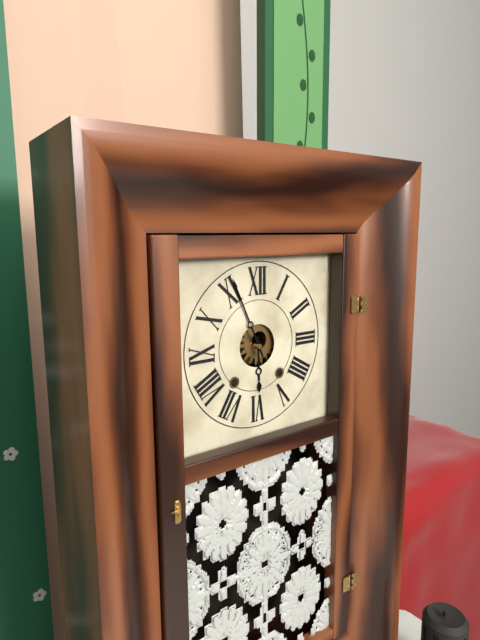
5:56
